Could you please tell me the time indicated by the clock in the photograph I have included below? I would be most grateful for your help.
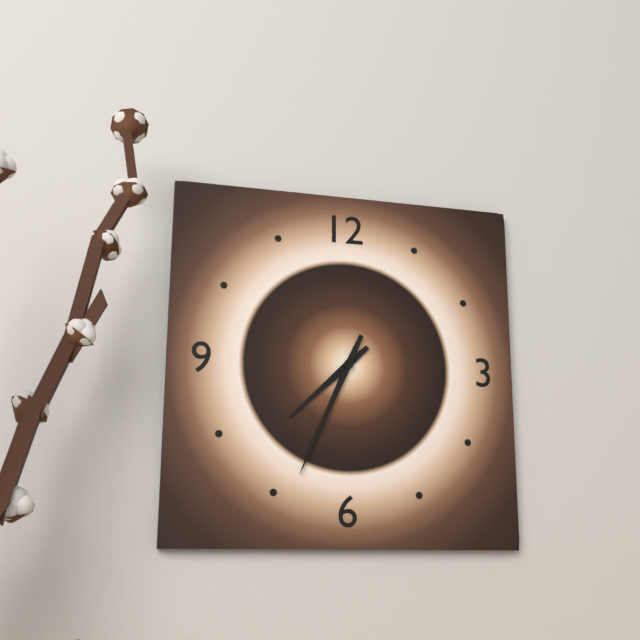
7:34
